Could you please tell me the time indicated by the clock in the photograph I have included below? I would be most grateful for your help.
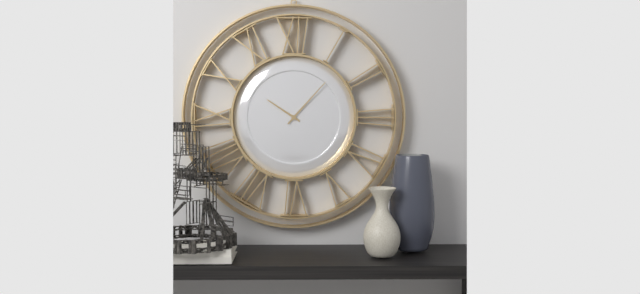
10:07
